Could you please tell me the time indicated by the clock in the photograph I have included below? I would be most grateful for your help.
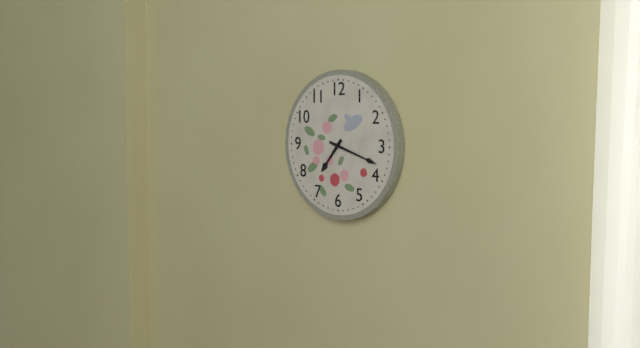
7:18
